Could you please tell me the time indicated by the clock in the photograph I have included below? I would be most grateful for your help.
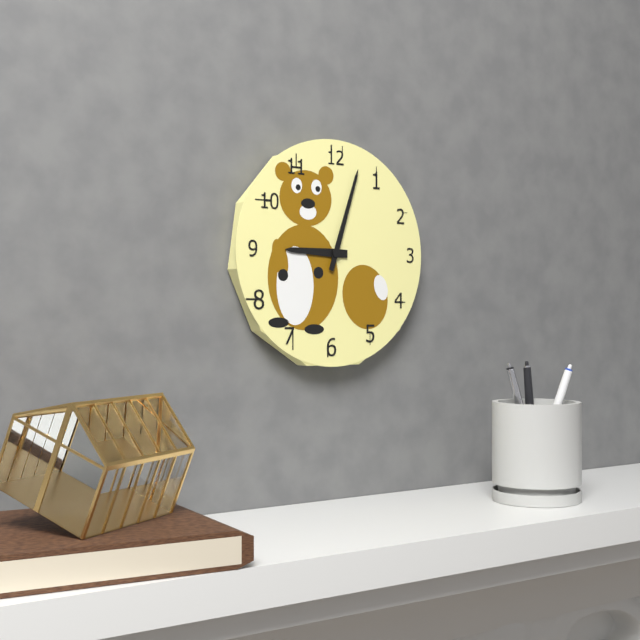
9:03
